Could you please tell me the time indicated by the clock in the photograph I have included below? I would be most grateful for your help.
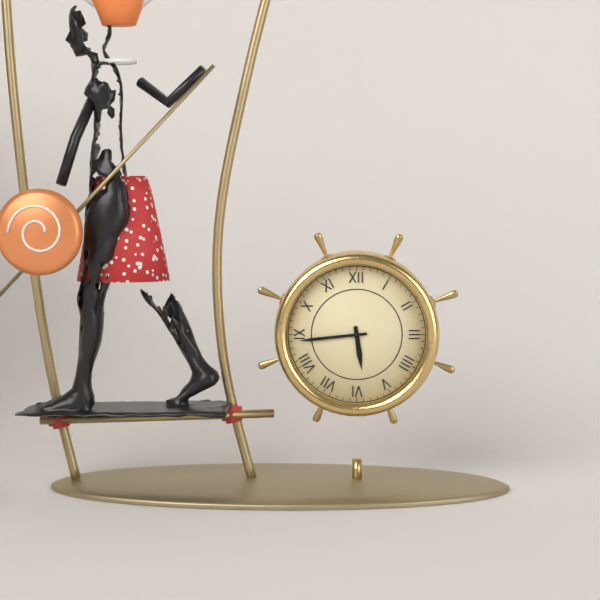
5:44
